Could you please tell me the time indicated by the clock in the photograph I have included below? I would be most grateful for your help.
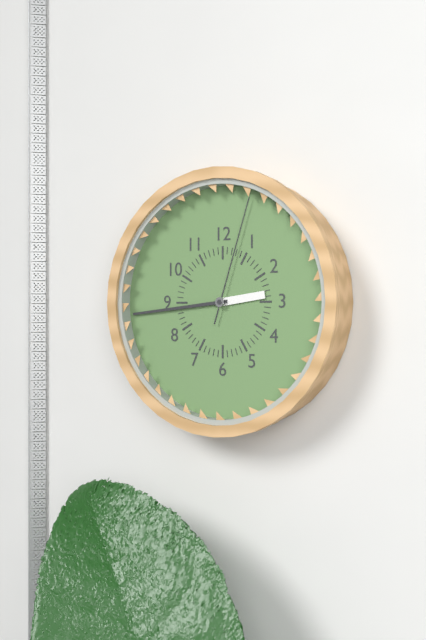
2:44:03
